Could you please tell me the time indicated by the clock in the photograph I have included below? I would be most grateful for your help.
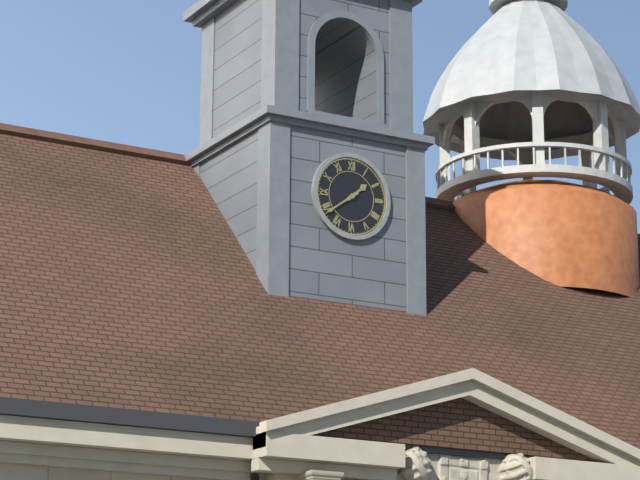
1:39
